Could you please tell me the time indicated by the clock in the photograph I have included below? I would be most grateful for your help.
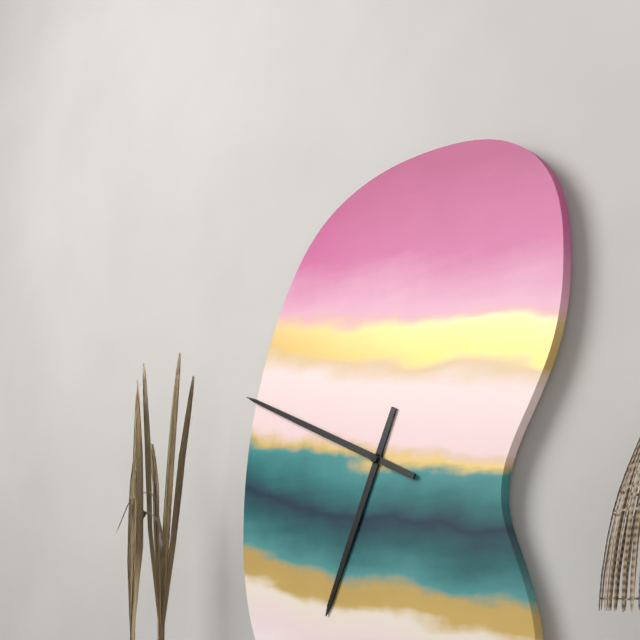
6:49
